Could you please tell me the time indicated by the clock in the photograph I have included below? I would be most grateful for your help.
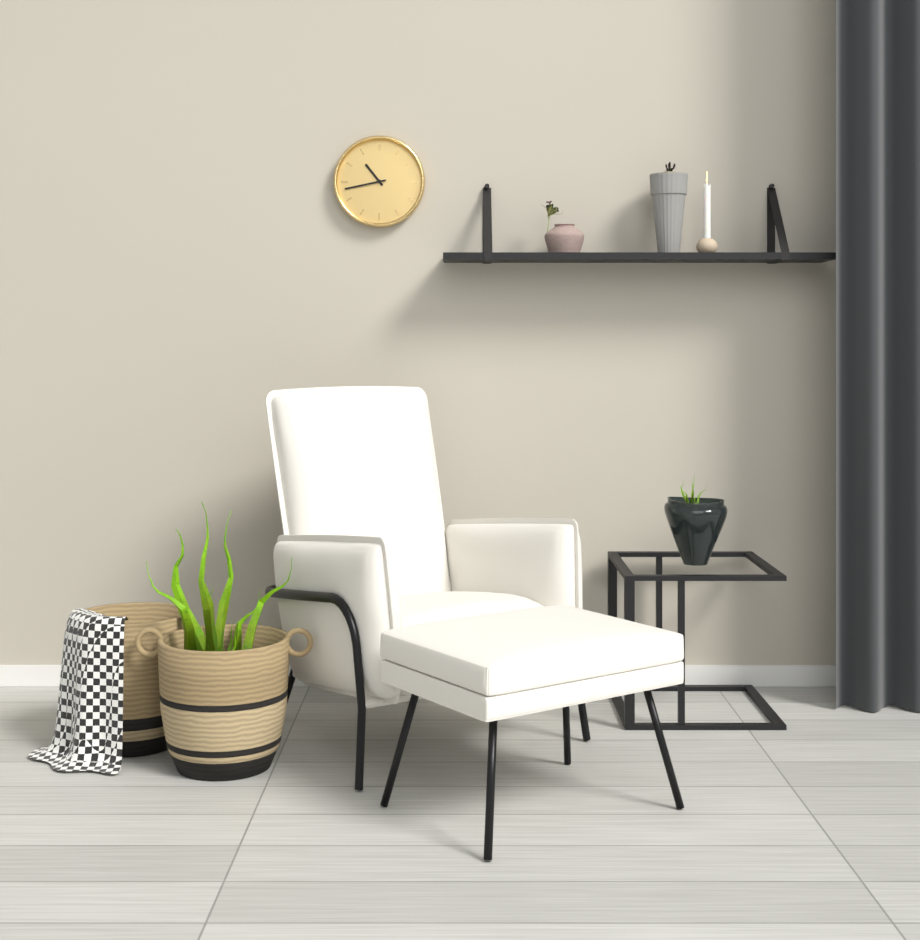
10:43
